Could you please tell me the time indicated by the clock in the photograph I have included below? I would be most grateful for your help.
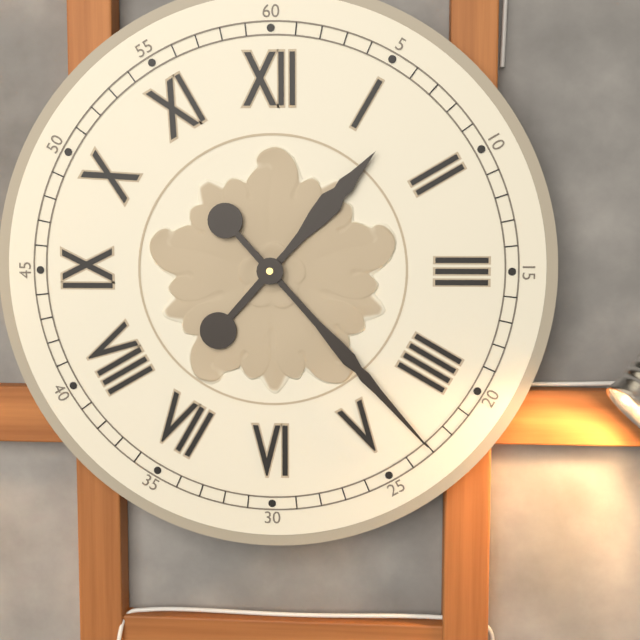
1:23
